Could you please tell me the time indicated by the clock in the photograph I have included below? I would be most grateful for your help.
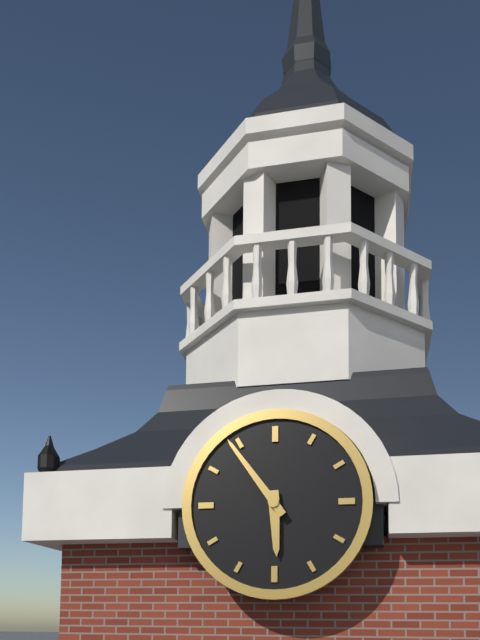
5:54
